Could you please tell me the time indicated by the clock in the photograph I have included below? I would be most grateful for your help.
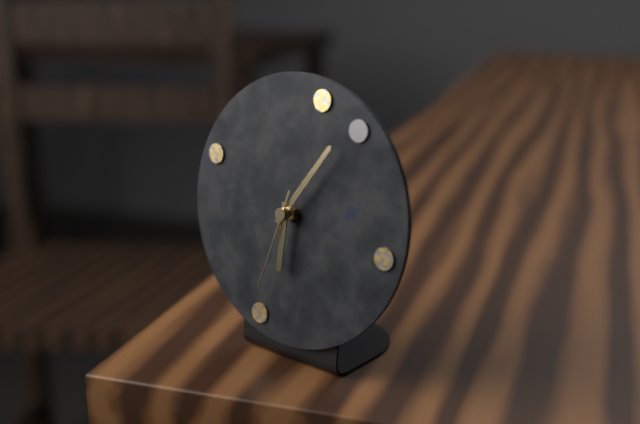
6:06:33
